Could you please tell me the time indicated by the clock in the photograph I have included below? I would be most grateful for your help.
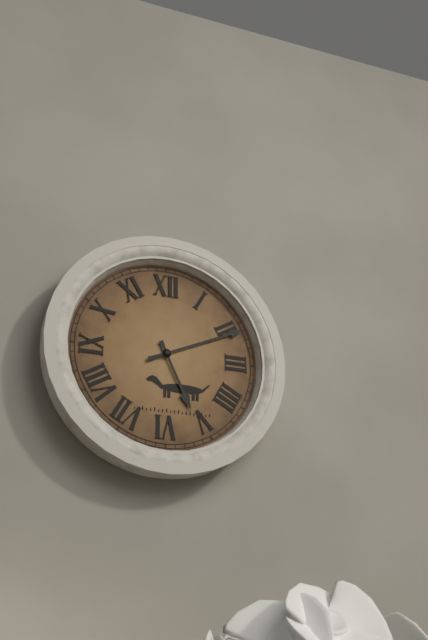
5:11
